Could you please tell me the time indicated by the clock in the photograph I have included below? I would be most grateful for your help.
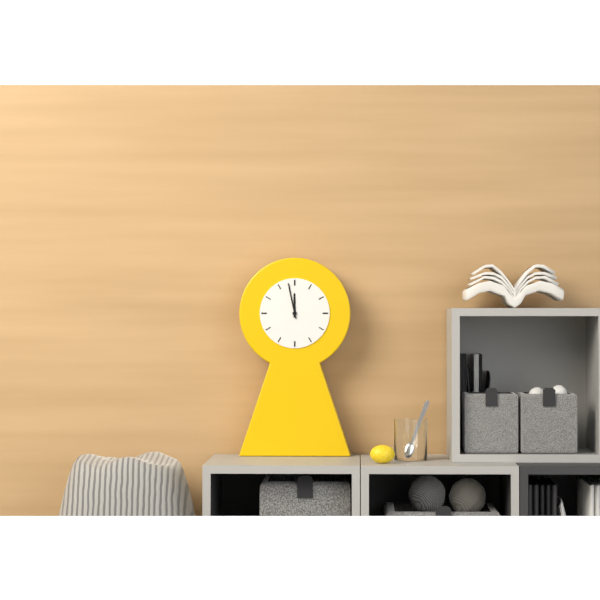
11:58
